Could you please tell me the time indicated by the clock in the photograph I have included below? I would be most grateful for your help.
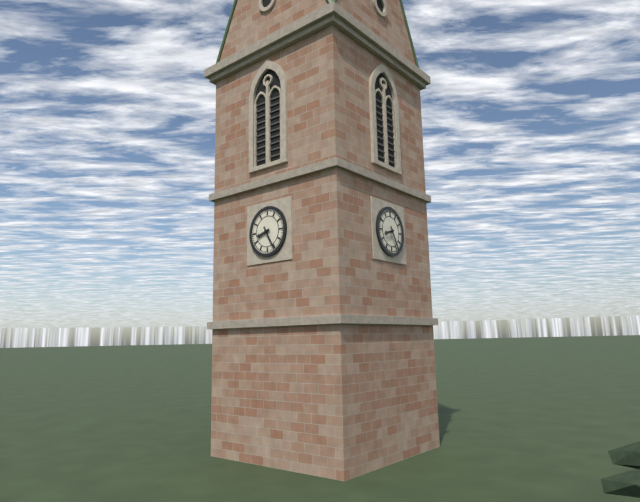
8:25
